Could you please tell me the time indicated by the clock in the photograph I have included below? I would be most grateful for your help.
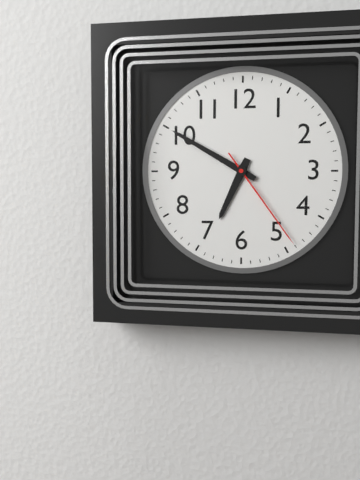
6:50:24
